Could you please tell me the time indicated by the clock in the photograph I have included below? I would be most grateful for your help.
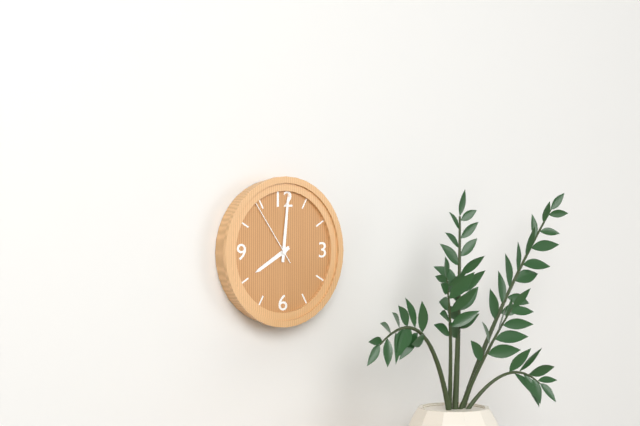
8:01:54
